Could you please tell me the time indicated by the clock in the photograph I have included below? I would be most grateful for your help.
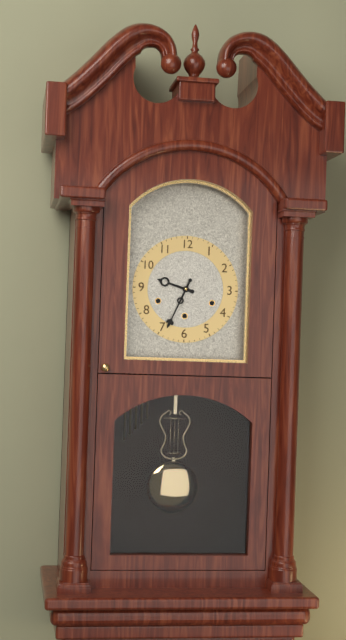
9:34
